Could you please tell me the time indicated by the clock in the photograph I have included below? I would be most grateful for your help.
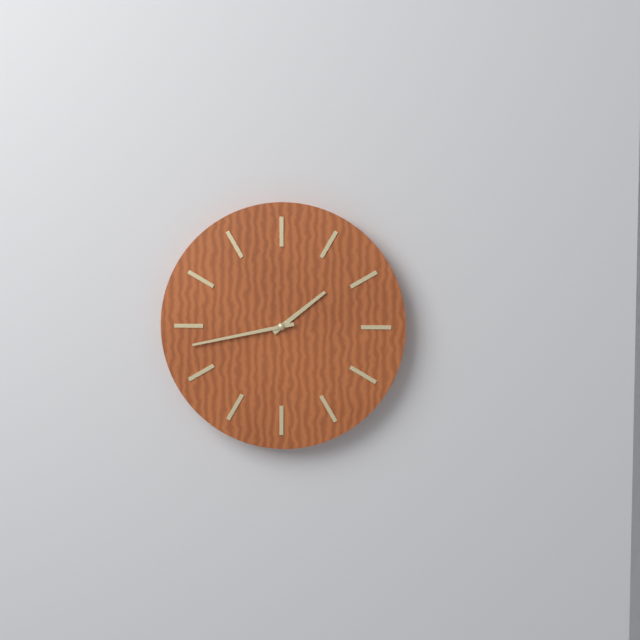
1:43
